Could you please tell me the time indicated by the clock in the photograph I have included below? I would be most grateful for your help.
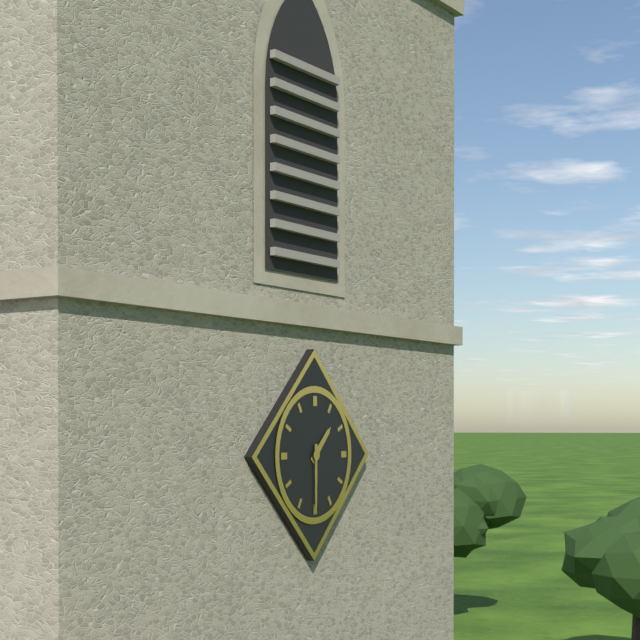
1:30
